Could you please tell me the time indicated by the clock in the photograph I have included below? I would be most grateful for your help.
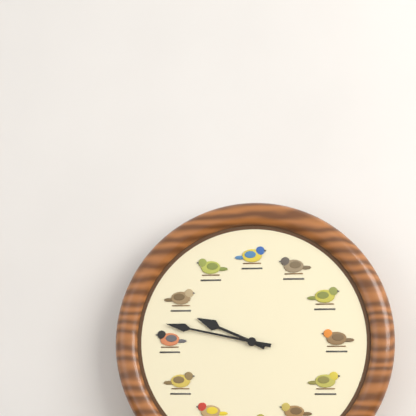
9:47
